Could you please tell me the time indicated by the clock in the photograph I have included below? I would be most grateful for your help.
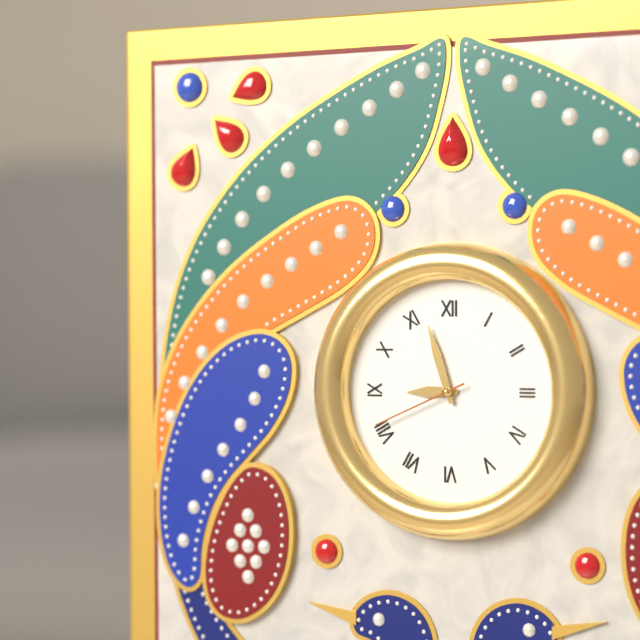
8:57:41
